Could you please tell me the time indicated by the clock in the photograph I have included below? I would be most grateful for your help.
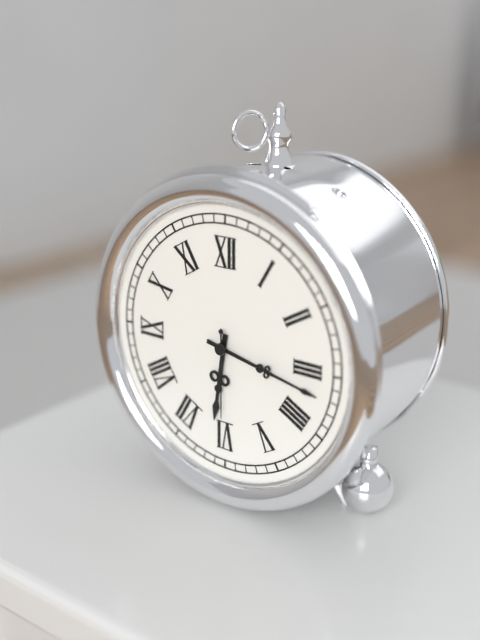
6:17:30
